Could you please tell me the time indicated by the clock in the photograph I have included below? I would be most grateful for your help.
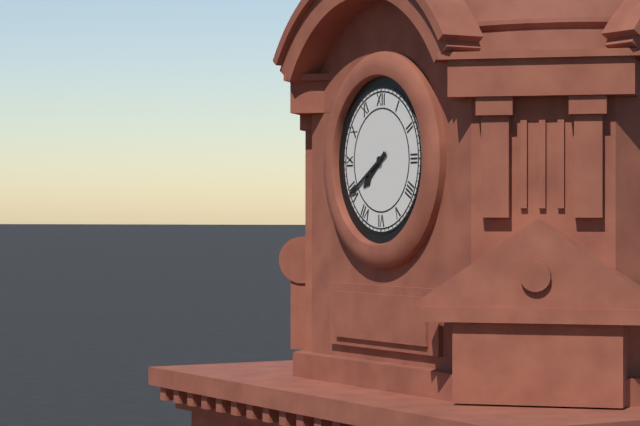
7:40
